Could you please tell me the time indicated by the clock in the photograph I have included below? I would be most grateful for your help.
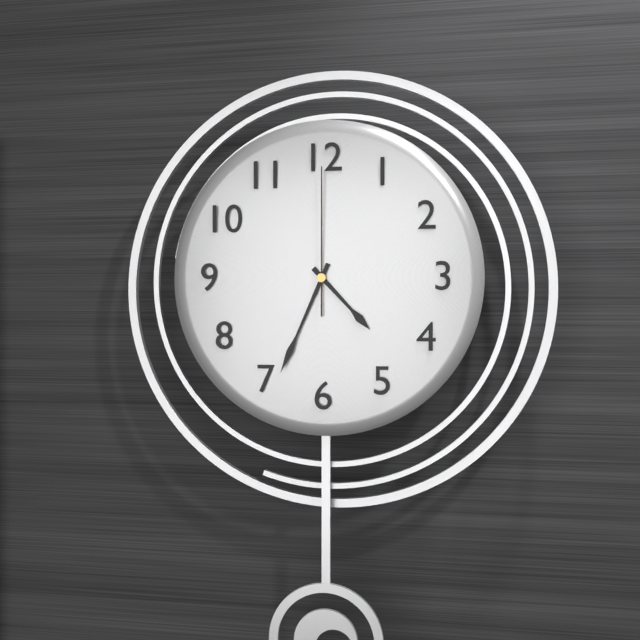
4:34:00
